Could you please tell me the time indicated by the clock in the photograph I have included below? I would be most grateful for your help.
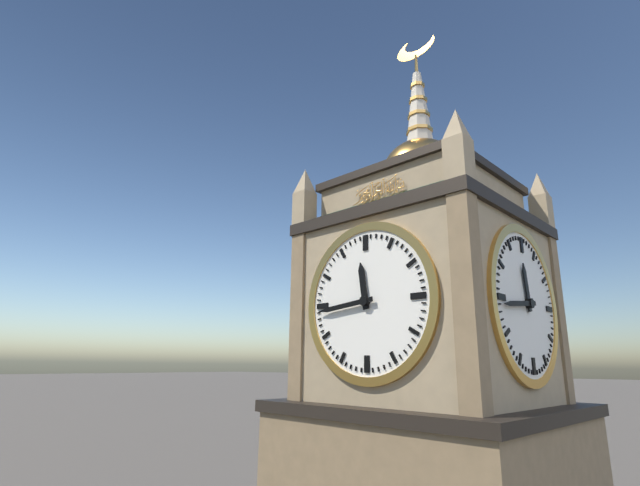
11:44
